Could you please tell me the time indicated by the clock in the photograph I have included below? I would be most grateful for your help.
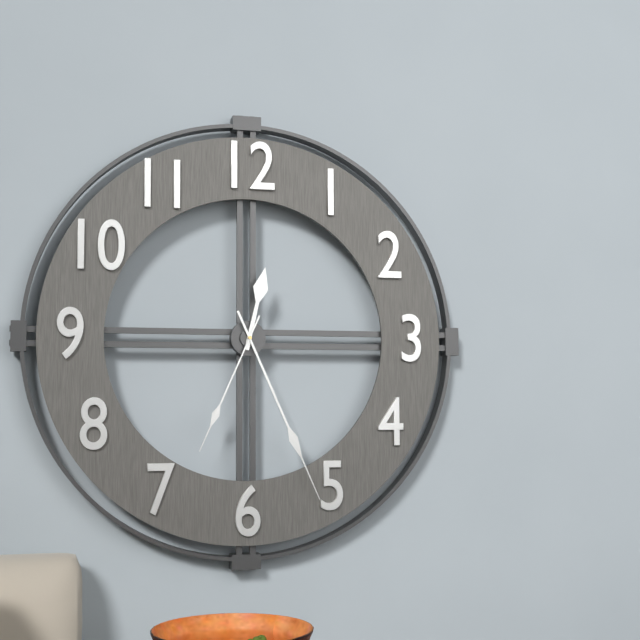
12:26:34
